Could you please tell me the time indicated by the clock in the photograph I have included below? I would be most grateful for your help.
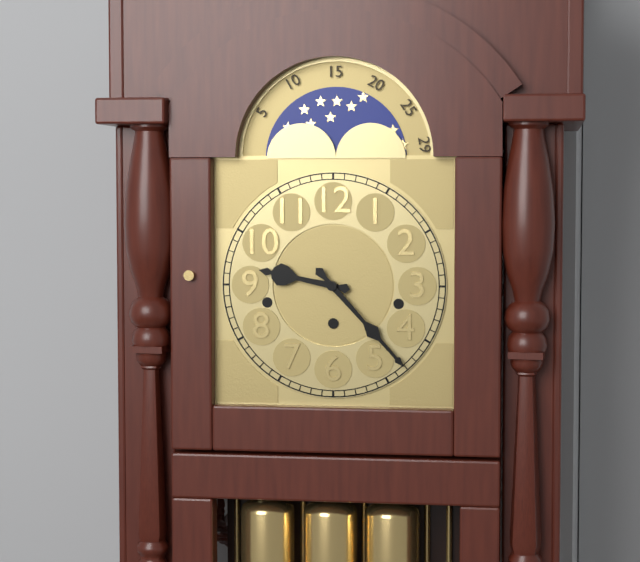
9:23
